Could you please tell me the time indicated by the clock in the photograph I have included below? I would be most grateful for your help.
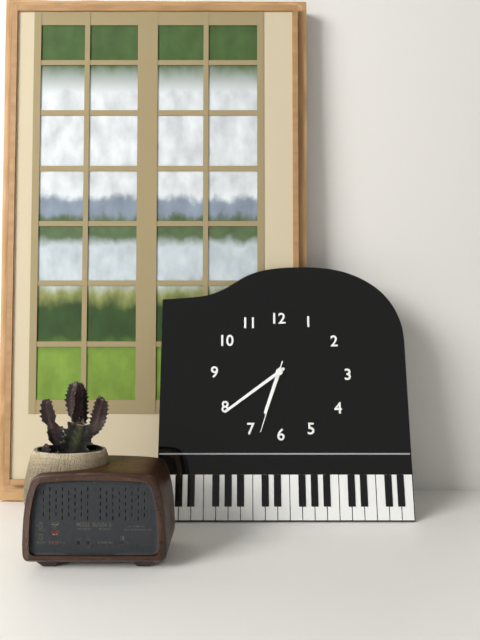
6:39:33
